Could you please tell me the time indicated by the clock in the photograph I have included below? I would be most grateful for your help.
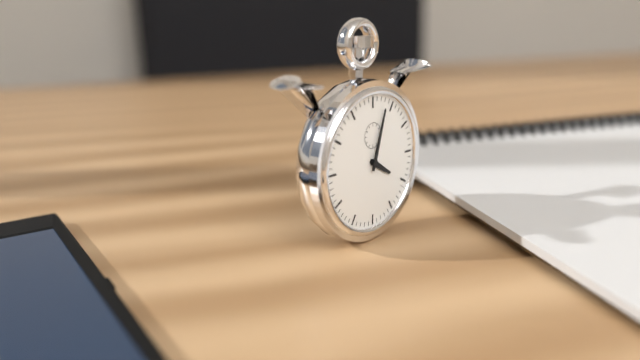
4:03
